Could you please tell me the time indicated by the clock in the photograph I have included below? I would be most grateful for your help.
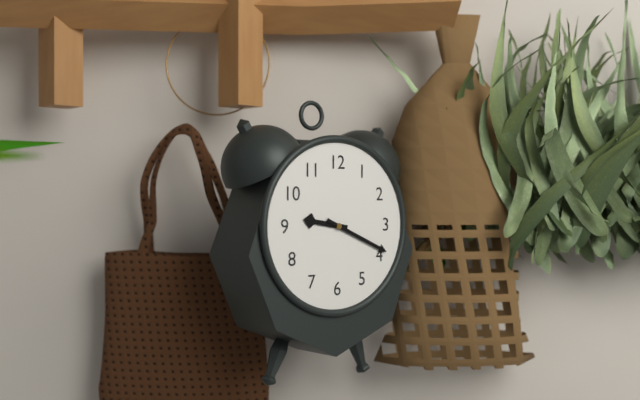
9:19
